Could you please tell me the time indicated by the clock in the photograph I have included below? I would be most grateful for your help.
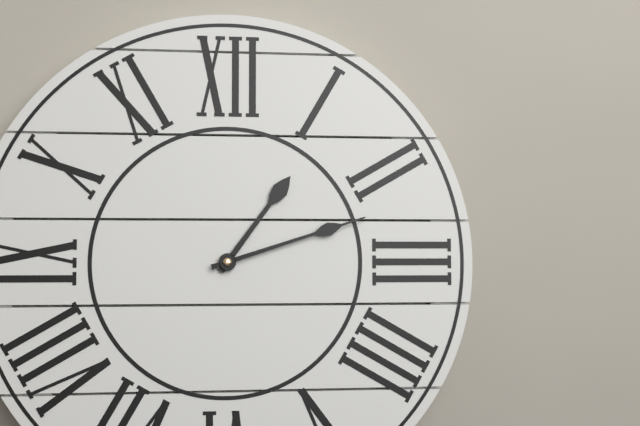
1:12
